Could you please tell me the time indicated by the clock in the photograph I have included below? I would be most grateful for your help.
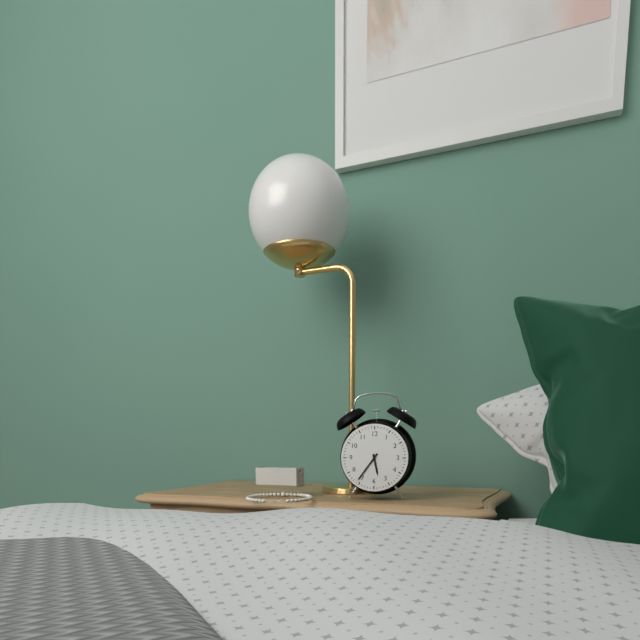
5:36
